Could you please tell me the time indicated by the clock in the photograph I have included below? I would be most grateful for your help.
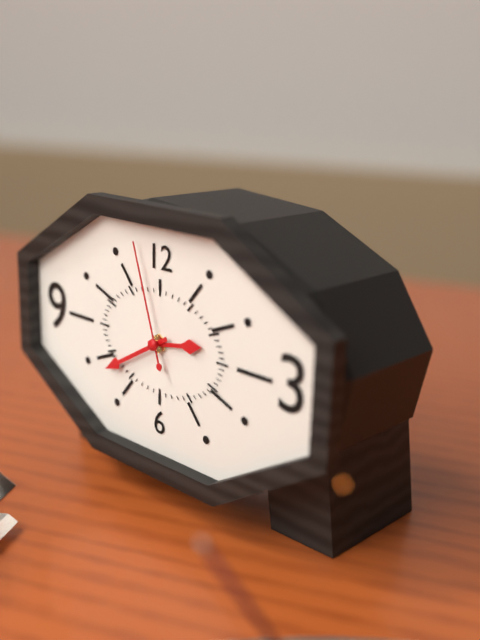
2:40:57
